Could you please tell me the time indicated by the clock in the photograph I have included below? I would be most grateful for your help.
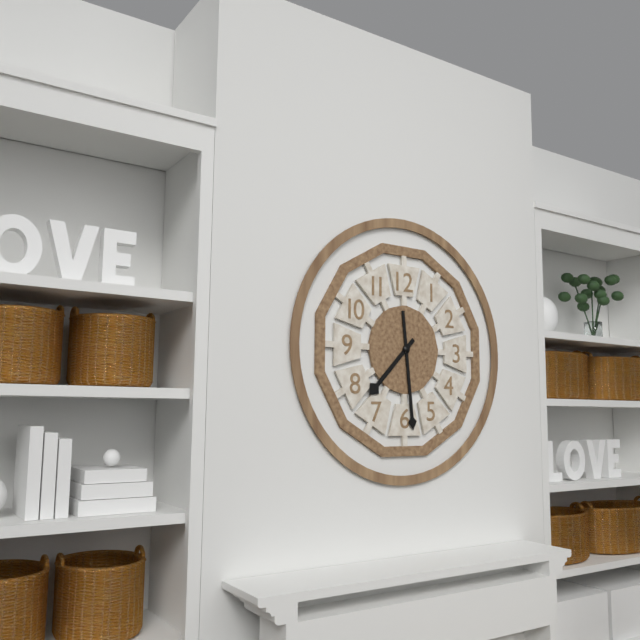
7:29
